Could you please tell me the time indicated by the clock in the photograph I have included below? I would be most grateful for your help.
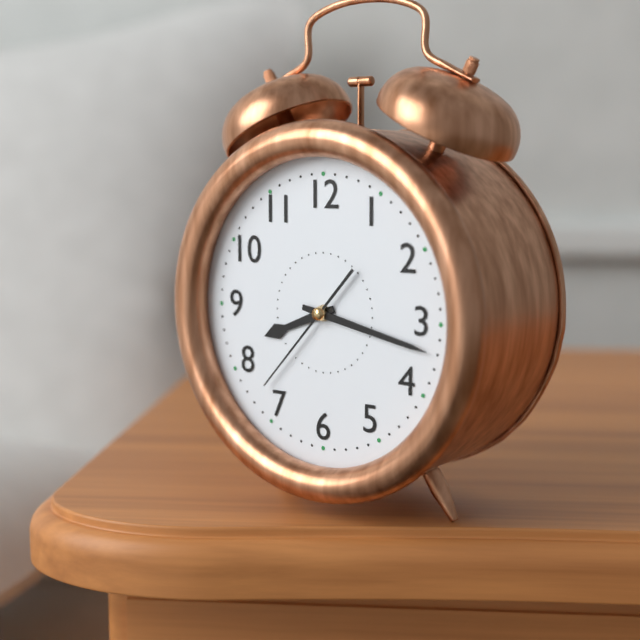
8:17:37
